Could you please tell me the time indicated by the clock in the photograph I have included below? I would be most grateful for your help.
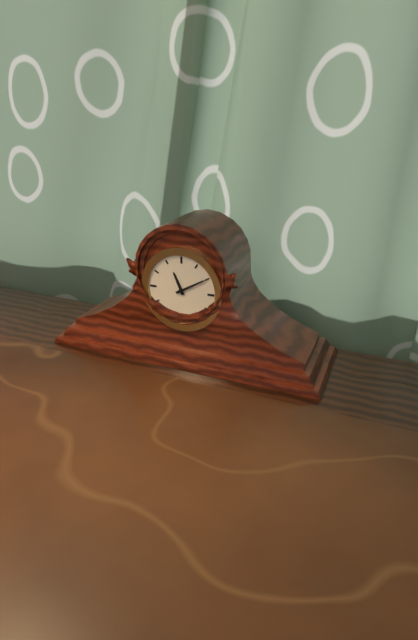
11:10
